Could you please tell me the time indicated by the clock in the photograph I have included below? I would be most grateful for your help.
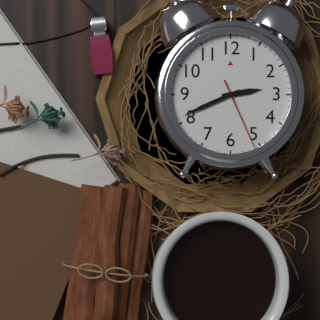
2:41:26
